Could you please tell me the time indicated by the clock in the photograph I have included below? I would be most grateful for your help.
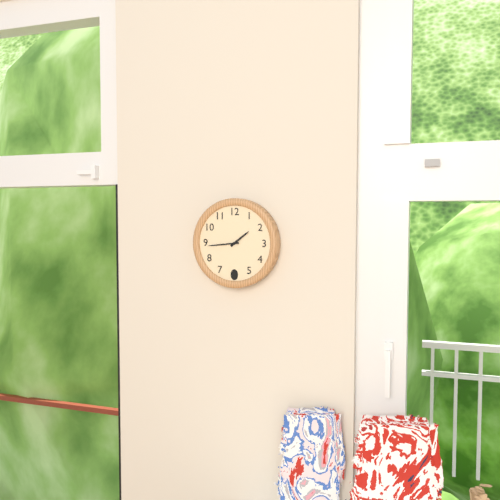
1:44
